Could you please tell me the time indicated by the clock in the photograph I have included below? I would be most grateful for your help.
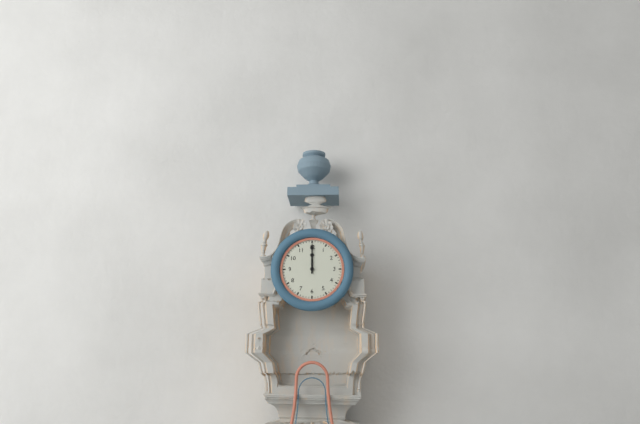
12:00
